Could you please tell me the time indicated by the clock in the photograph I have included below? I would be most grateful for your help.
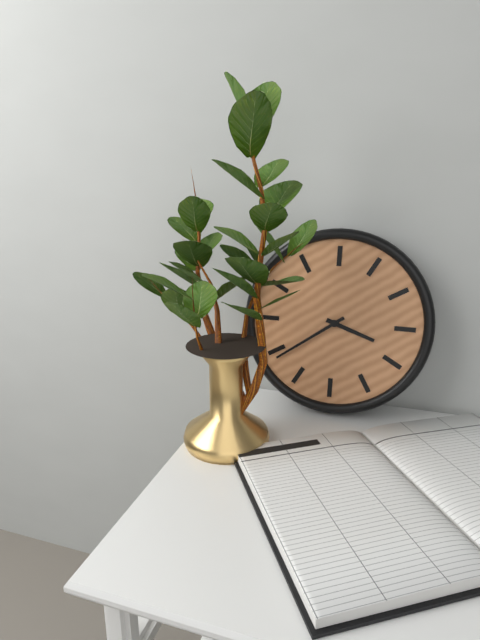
3:39
